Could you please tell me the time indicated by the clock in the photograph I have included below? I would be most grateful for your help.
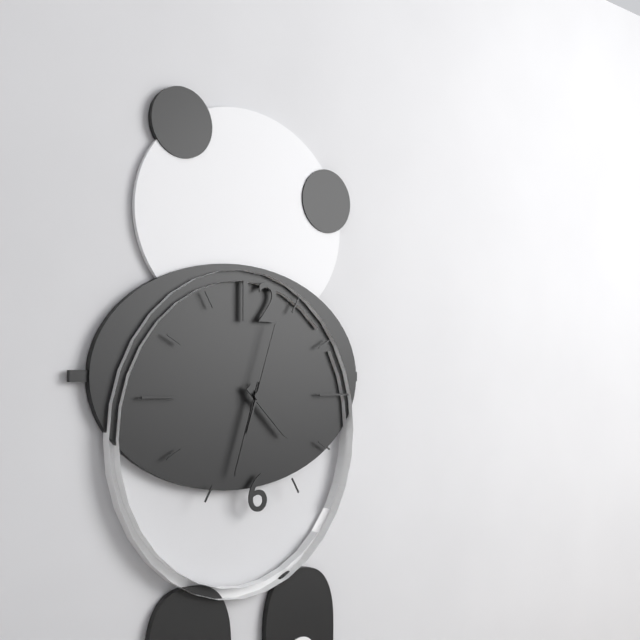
4:33:03
